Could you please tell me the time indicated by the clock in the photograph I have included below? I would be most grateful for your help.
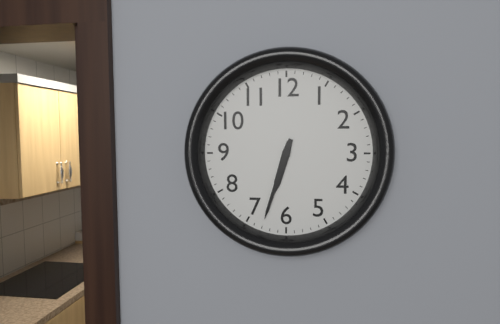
6:33
